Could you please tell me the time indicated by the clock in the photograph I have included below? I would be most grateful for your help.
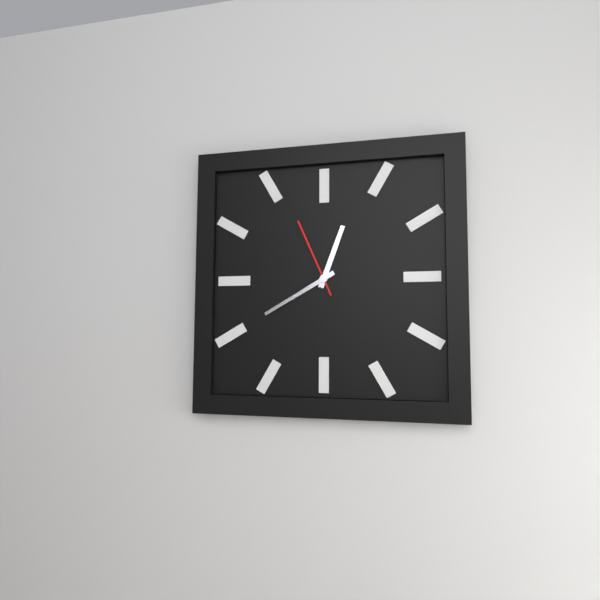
12:40:56
